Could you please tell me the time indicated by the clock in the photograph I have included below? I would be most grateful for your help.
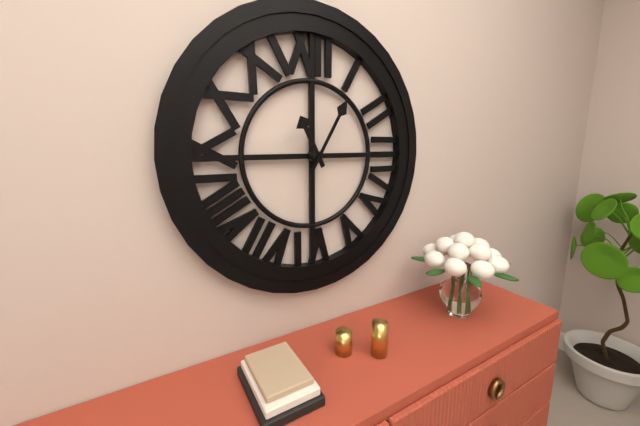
11:05
